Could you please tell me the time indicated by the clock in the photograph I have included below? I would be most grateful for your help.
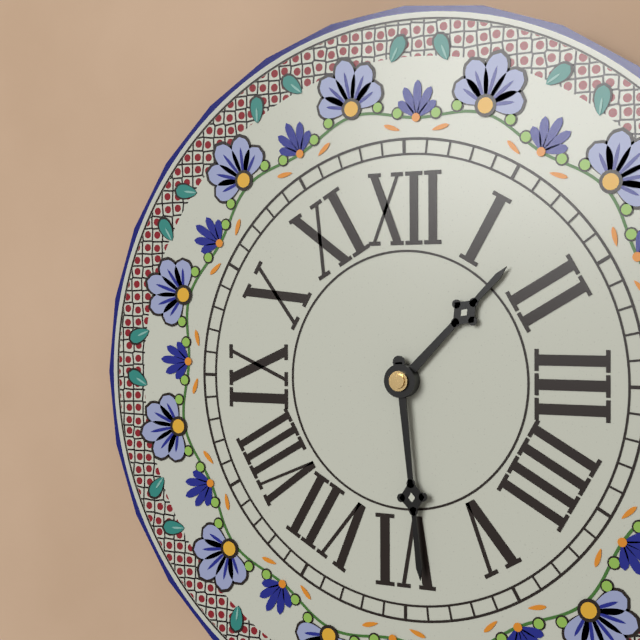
1:29
